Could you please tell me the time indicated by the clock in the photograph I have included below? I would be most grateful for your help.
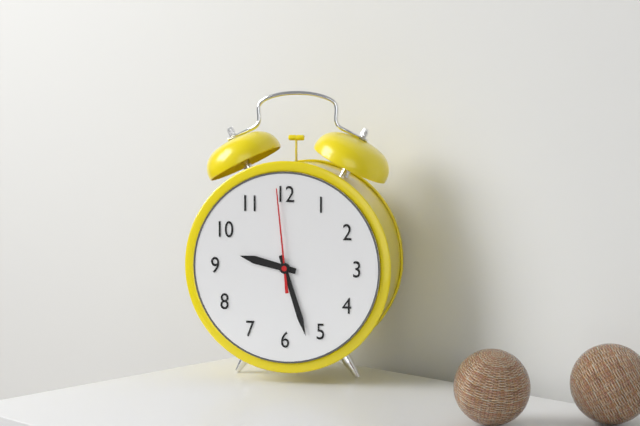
9:27:59
